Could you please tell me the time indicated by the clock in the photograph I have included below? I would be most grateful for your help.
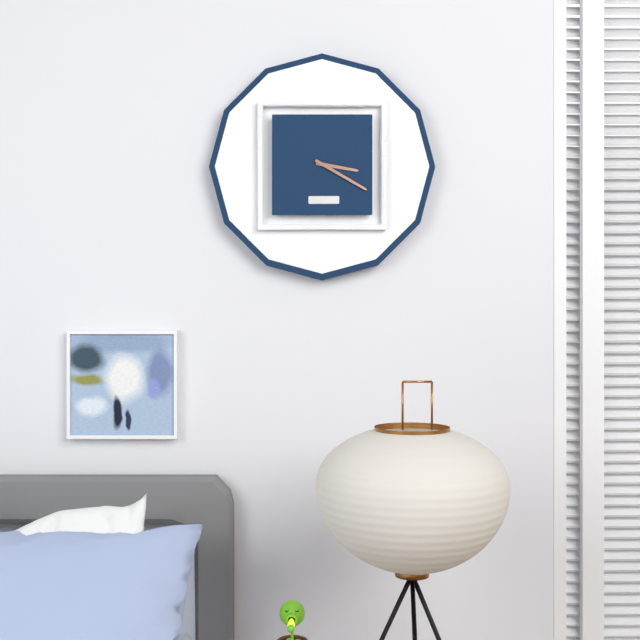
3:20
